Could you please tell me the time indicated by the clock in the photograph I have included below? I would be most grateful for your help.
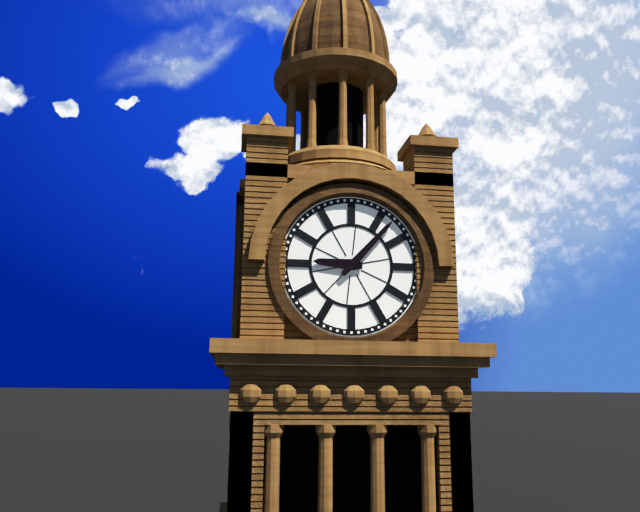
9:07
